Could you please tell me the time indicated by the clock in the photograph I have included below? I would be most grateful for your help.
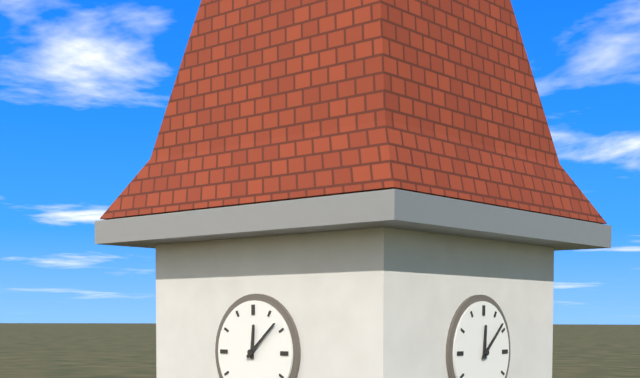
12:08
